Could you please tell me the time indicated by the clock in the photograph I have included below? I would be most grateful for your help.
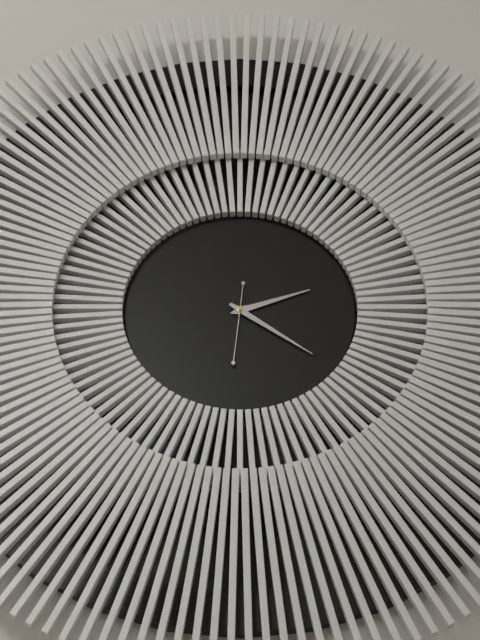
2:21:31
